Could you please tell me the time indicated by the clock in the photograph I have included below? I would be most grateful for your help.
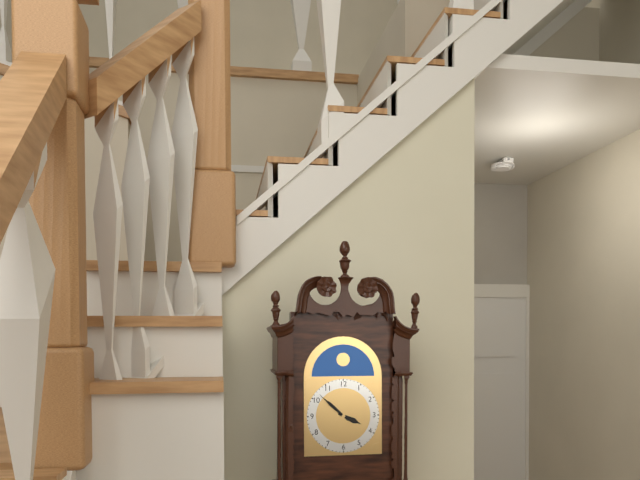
3:52
